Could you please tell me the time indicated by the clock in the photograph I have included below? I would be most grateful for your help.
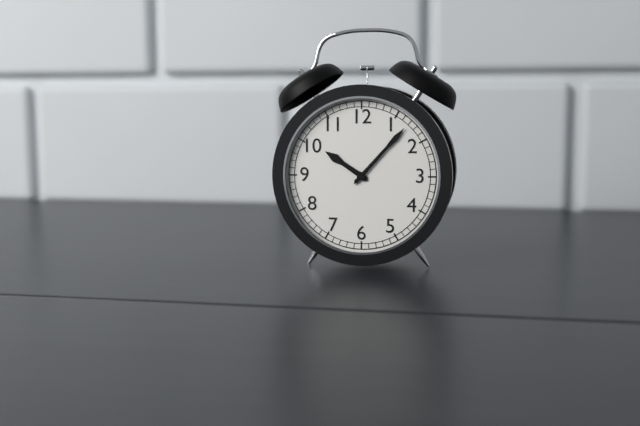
10:07
